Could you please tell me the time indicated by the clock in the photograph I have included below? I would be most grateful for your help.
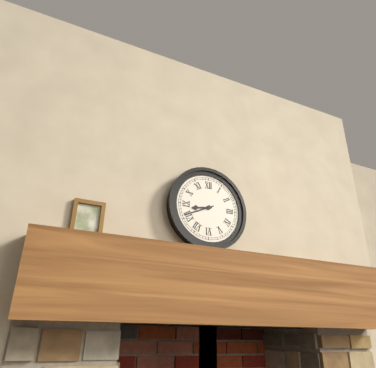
8:41
